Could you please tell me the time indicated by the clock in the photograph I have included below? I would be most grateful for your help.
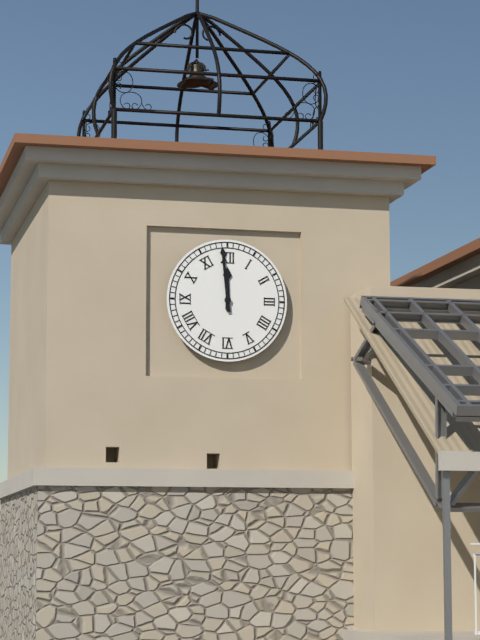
11:59
